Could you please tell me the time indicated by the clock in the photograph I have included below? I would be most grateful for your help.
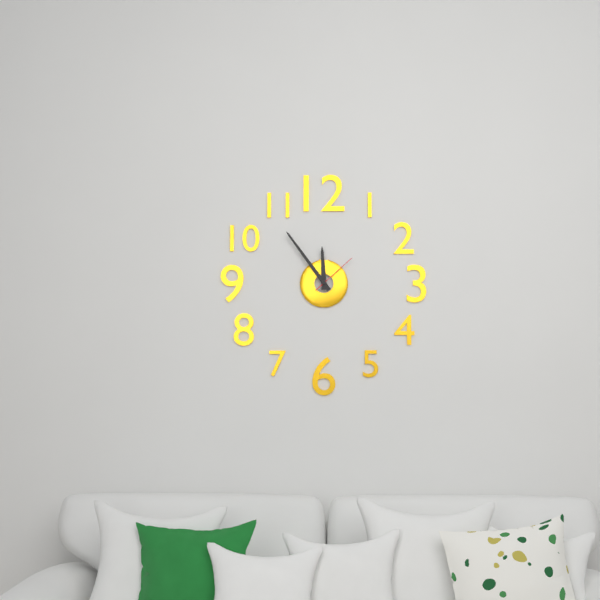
11:54
